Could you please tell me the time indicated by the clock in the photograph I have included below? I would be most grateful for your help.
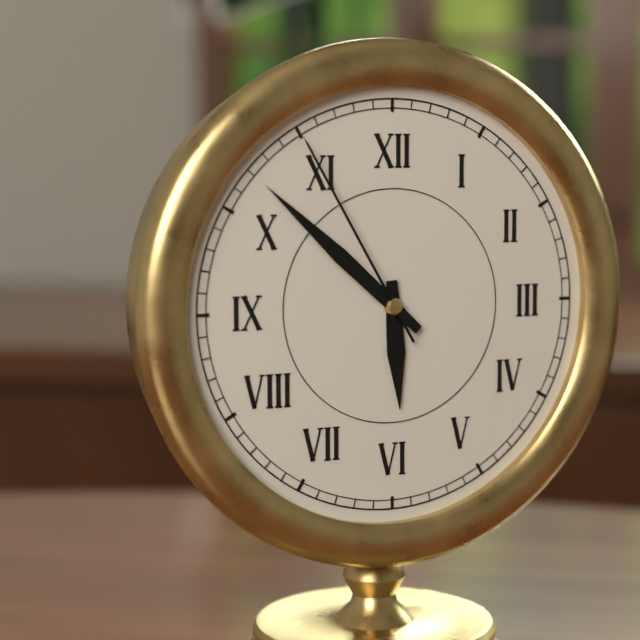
5:52:55
